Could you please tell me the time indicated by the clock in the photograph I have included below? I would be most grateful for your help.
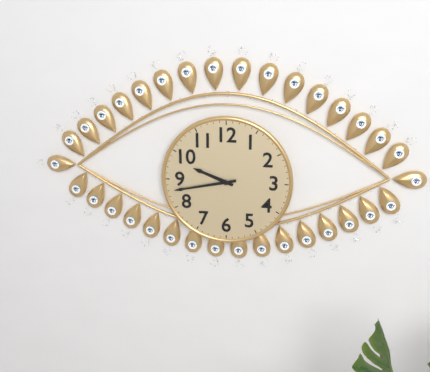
9:43
